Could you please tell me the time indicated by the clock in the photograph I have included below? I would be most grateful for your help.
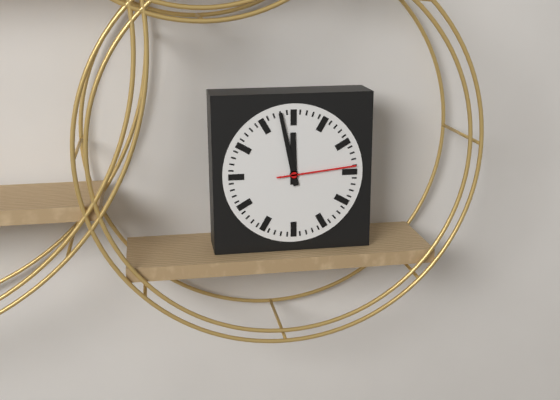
11:58:14
